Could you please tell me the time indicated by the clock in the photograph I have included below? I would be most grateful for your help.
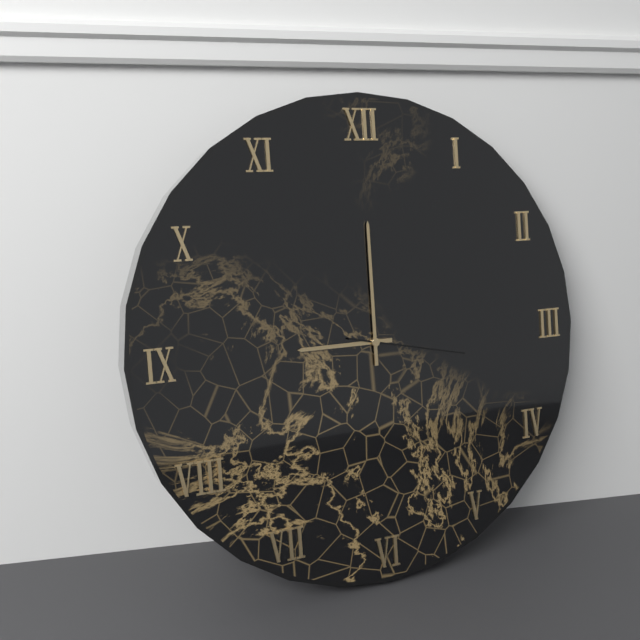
9:00:17
